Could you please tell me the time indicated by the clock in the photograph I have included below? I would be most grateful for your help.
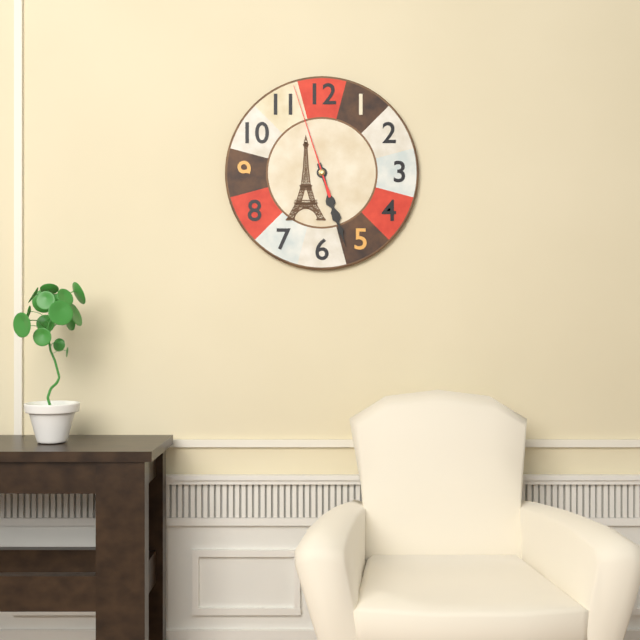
5:27:57
